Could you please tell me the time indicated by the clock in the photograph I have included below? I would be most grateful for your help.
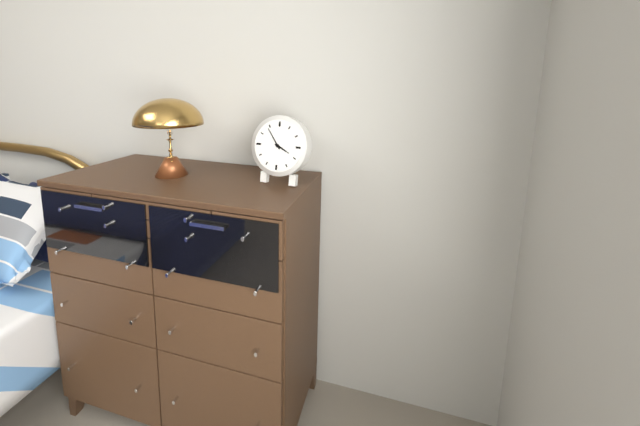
3:54
